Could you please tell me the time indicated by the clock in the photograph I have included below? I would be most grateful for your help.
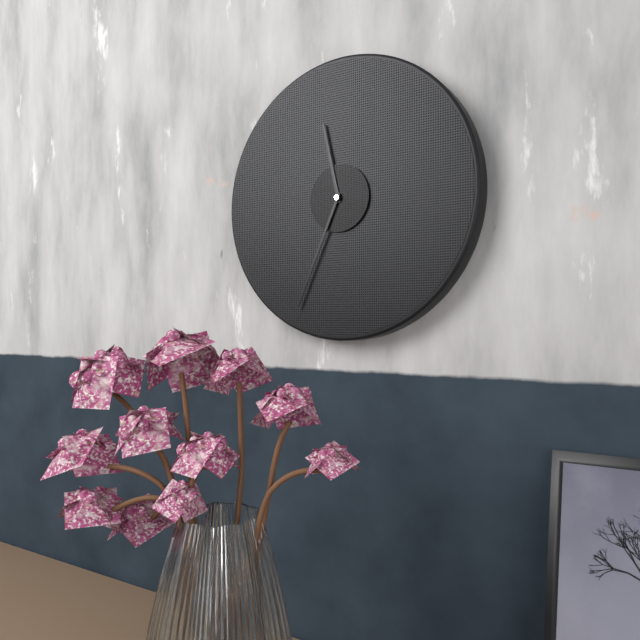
11:34
